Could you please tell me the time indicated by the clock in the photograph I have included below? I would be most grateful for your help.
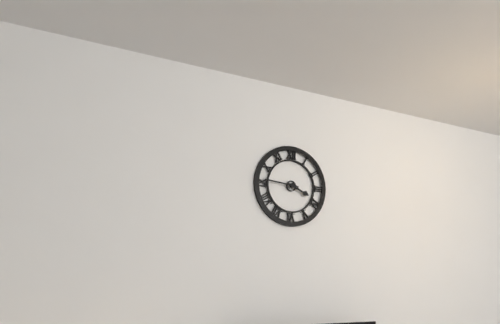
3:46
